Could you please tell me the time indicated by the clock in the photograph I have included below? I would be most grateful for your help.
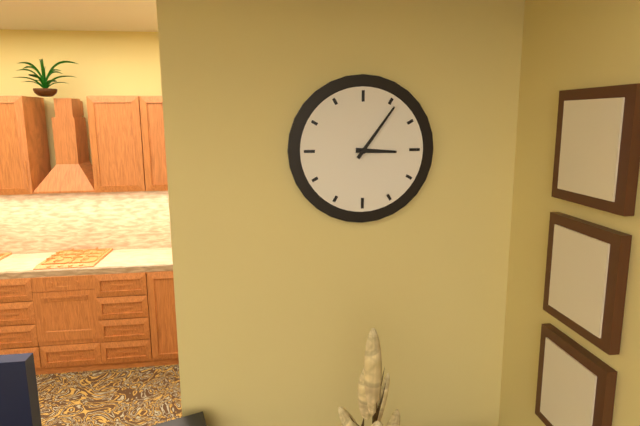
3:06
